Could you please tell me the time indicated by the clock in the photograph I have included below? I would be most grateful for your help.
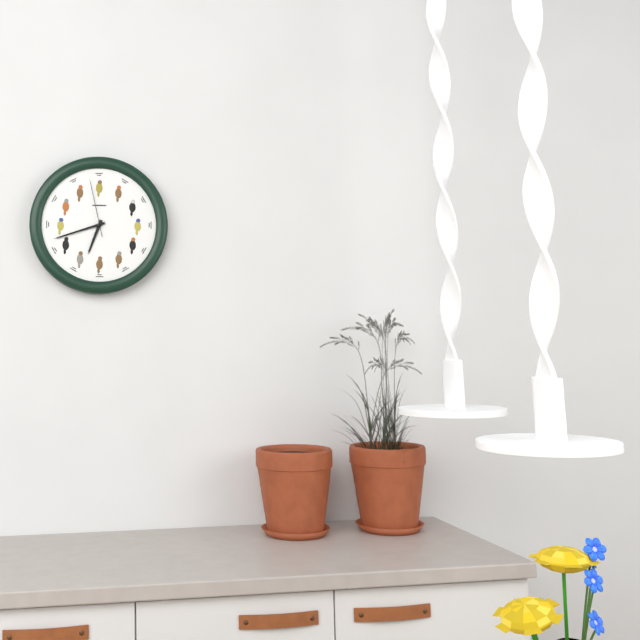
6:42:58
